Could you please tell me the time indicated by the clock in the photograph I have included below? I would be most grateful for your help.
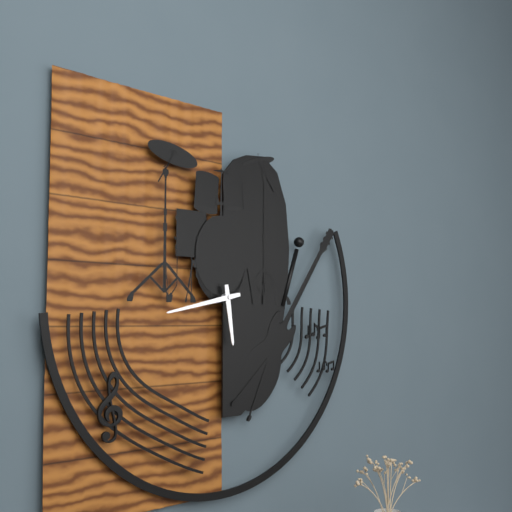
5:43
